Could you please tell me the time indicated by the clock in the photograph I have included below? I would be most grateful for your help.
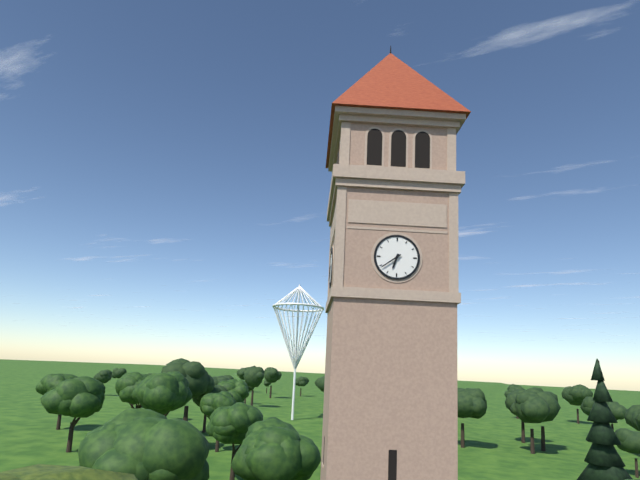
6:39
